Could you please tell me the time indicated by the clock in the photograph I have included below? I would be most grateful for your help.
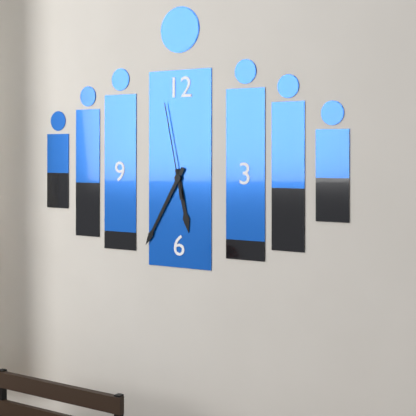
5:35:58
